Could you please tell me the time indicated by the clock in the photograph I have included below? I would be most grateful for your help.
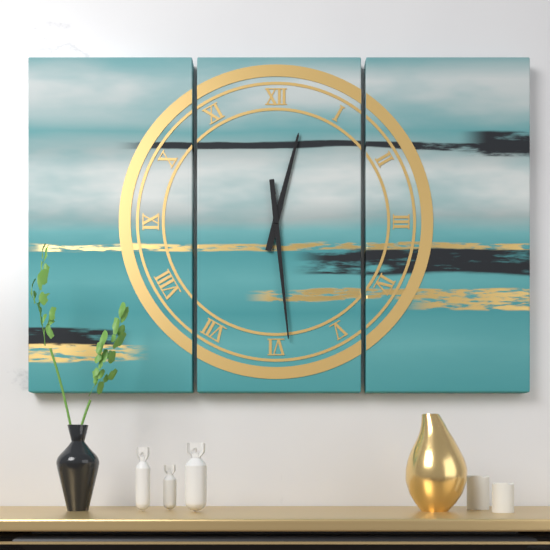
12:29
